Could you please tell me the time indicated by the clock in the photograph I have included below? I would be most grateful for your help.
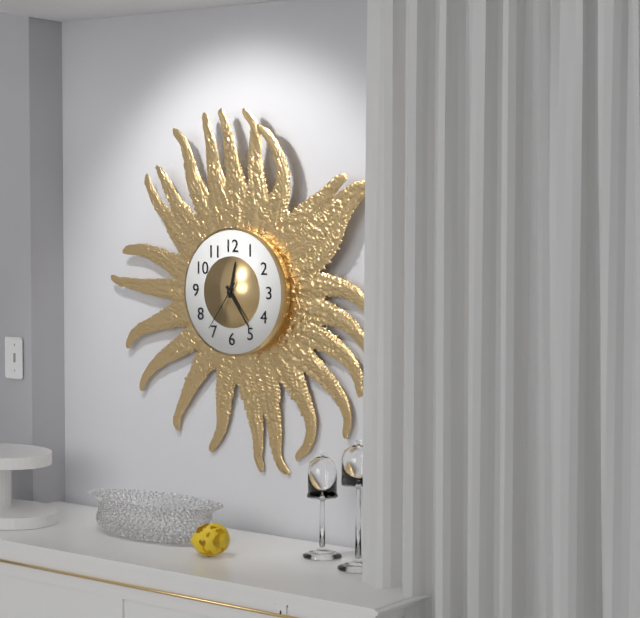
12:24:36
